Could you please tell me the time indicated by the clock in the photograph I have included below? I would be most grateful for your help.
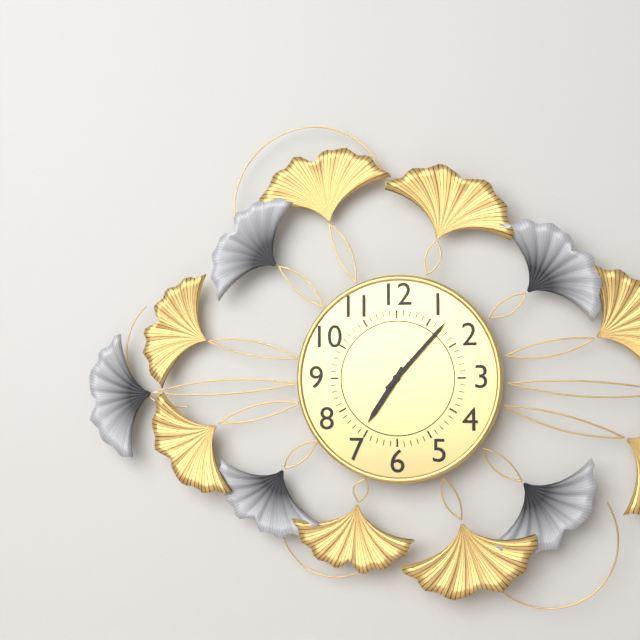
7:07
